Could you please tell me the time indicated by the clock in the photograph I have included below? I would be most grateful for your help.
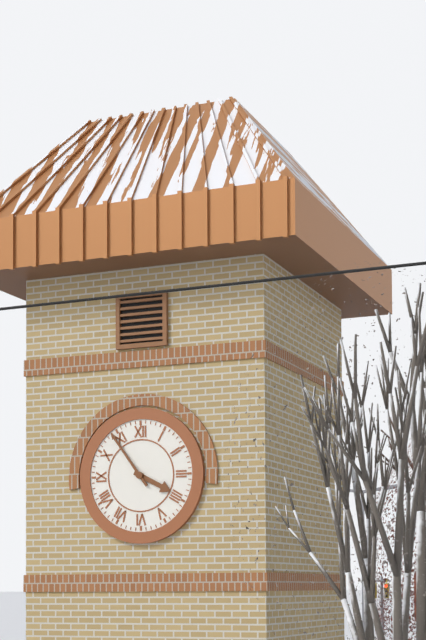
3:54
